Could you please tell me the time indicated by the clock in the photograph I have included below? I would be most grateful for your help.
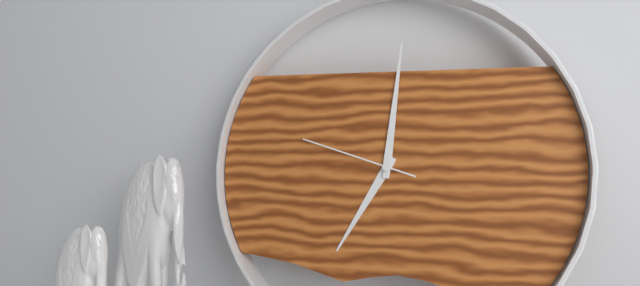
7:01:48
